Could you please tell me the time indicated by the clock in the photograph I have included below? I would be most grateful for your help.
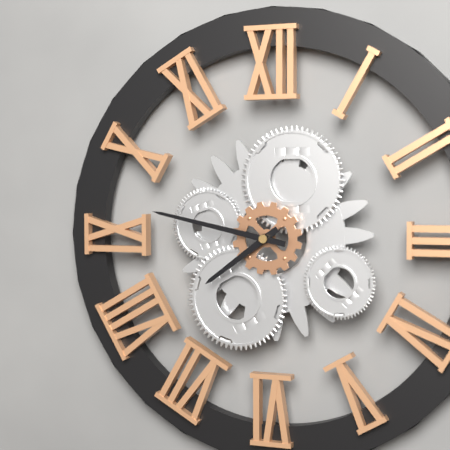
7:47
